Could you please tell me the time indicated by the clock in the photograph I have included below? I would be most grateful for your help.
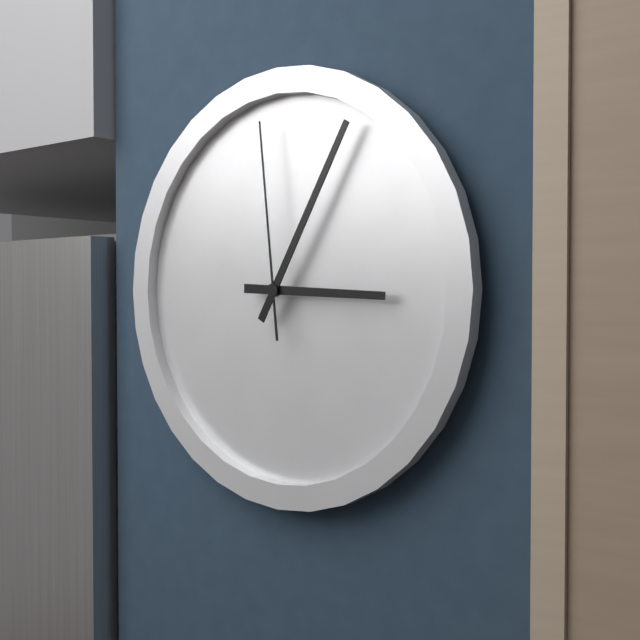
3:05:59
